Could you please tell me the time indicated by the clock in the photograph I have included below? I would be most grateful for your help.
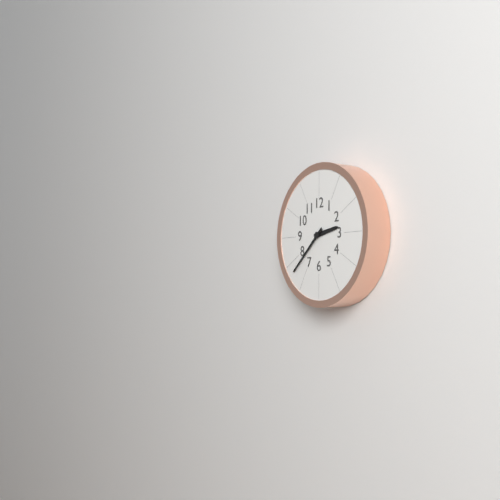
2:38
